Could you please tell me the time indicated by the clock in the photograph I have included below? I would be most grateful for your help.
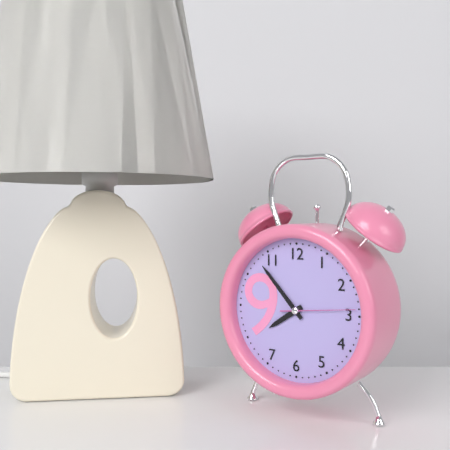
7:53:14
